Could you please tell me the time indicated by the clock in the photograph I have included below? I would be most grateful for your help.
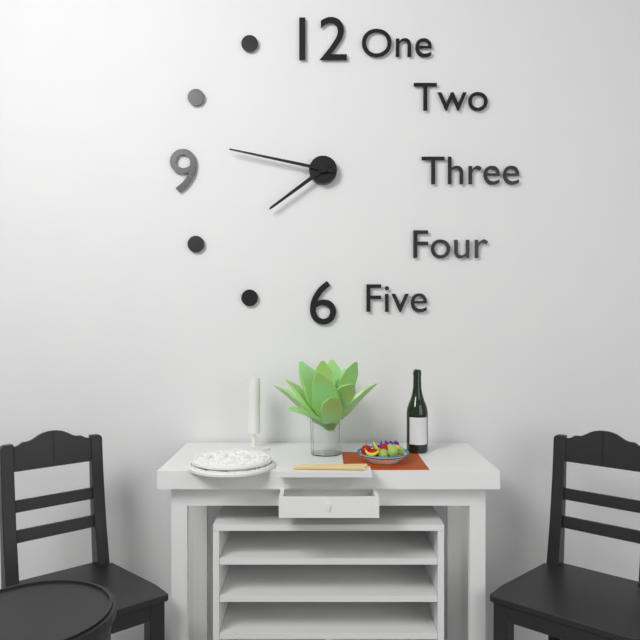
7:47
